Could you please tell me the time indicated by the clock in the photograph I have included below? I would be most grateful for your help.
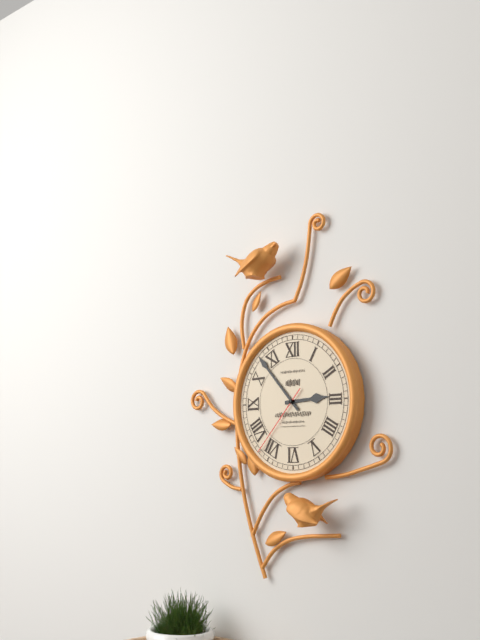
2:53:37
